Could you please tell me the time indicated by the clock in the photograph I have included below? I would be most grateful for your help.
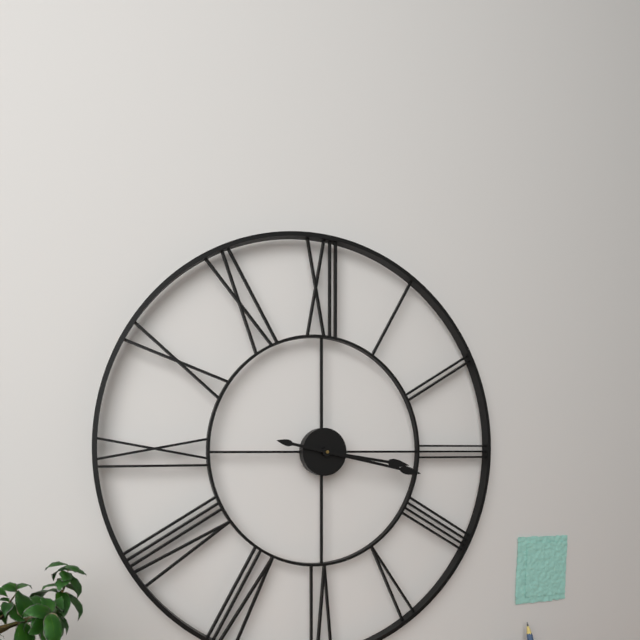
3:17
